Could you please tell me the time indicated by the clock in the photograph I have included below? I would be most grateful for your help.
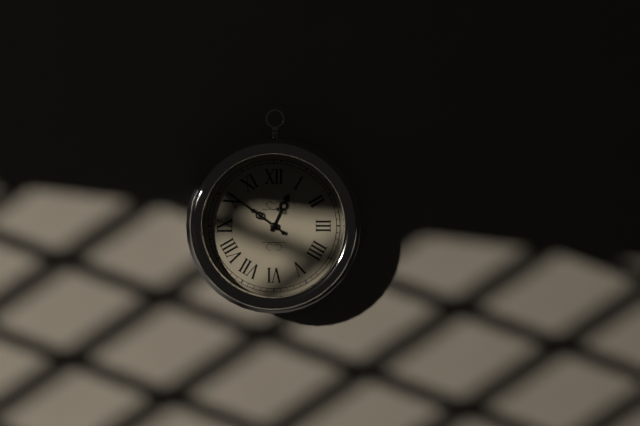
12:51
